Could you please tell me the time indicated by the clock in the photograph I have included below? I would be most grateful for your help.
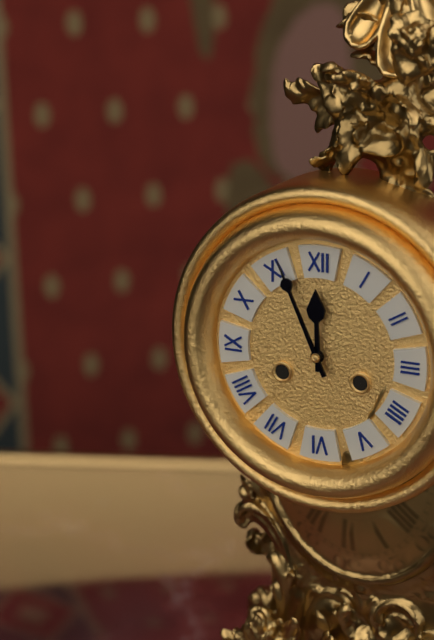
11:56
